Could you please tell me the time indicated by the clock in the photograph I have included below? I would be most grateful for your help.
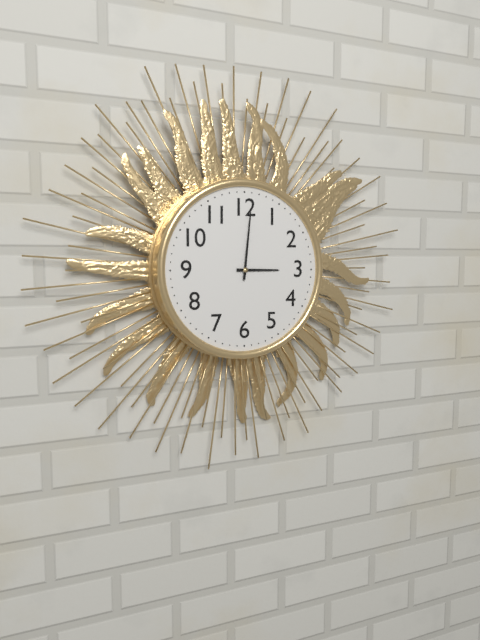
3:01
